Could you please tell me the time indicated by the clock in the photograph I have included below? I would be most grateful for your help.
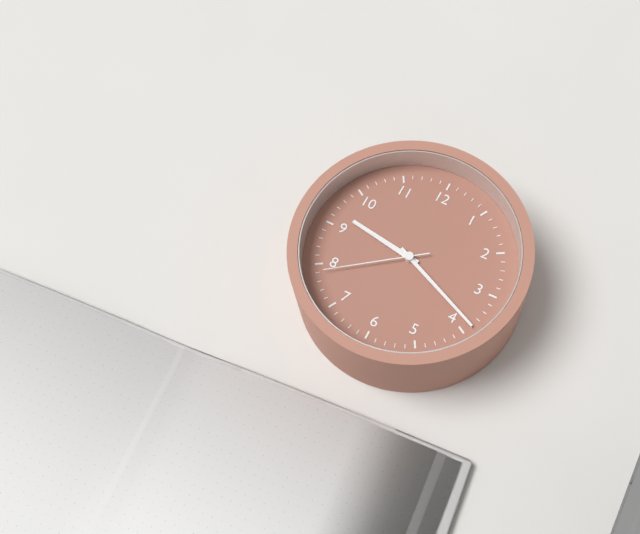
9:19:39
